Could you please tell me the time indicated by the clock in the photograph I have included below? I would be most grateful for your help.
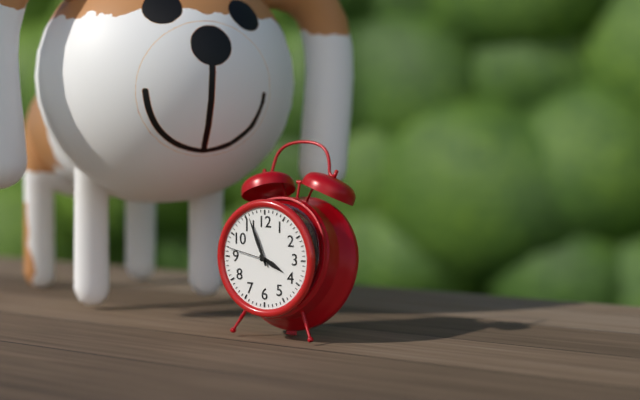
3:56
